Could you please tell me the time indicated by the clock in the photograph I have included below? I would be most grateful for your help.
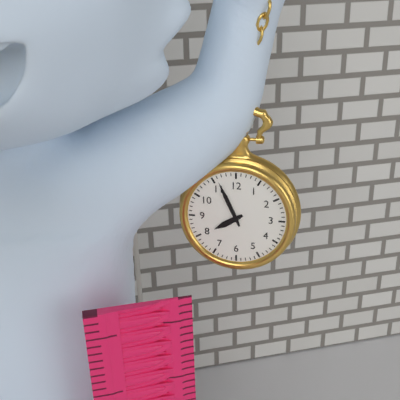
7:56
